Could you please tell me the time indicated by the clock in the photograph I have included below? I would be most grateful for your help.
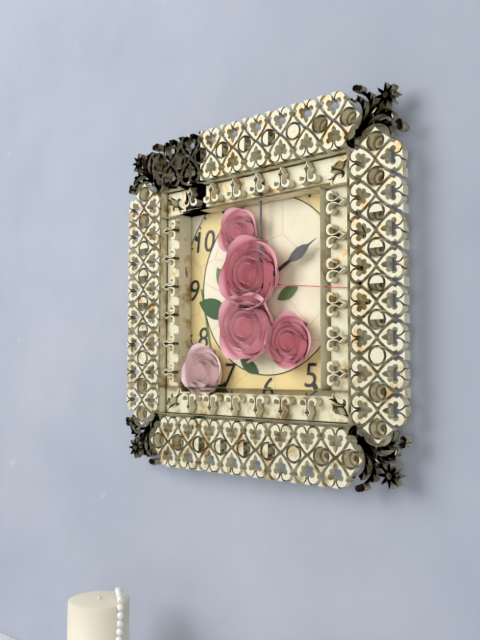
2:00:16
